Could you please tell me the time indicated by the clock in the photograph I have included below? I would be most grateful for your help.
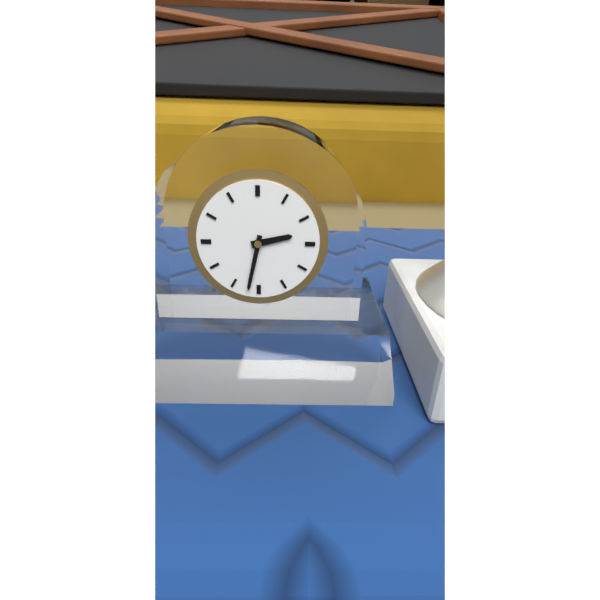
2:32
